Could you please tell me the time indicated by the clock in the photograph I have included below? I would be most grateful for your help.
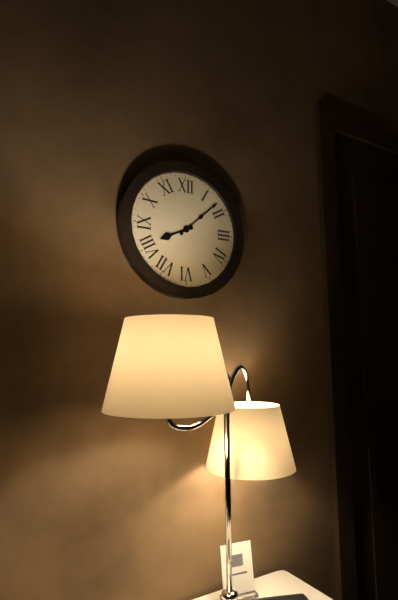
8:08
